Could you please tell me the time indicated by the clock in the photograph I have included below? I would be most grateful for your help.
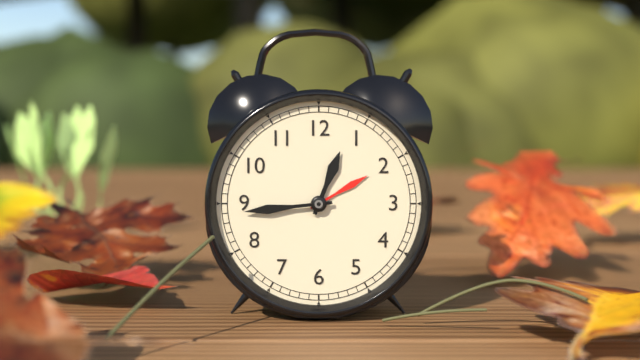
12:44
